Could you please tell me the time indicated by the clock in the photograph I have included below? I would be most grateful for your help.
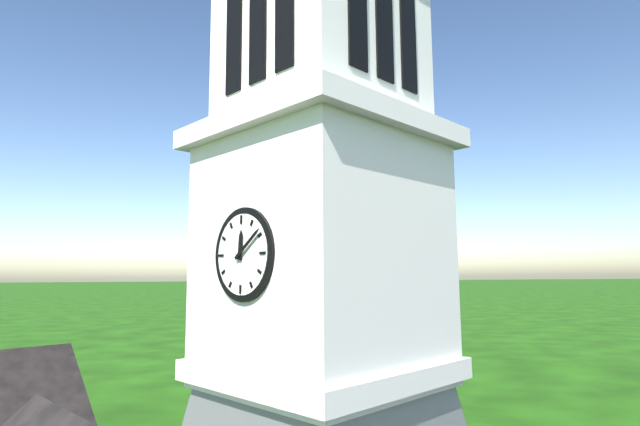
12:09
